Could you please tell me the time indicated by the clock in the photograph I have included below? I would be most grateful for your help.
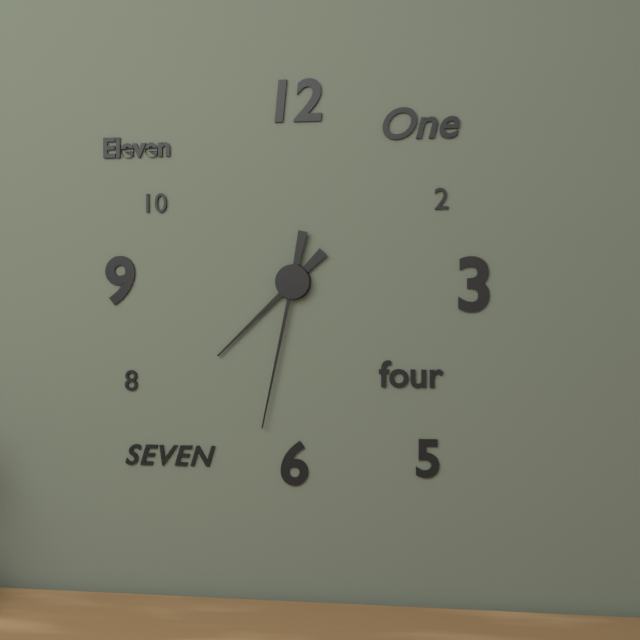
7:32
